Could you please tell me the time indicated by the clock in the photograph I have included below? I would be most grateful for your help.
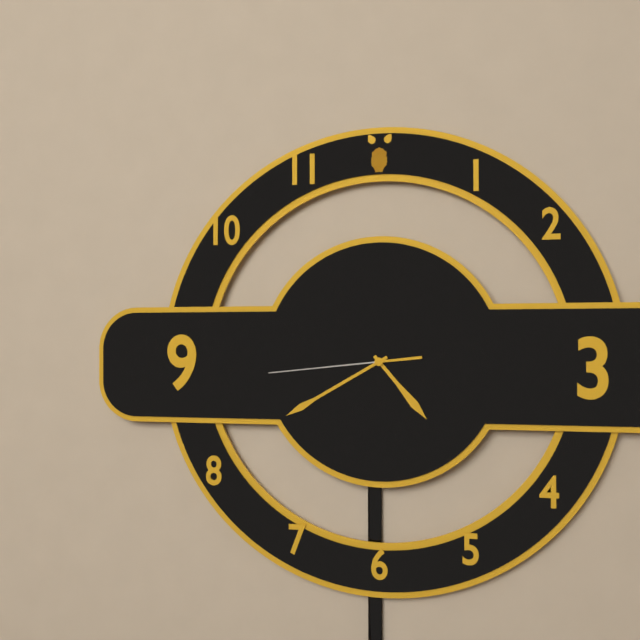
4:40:44
